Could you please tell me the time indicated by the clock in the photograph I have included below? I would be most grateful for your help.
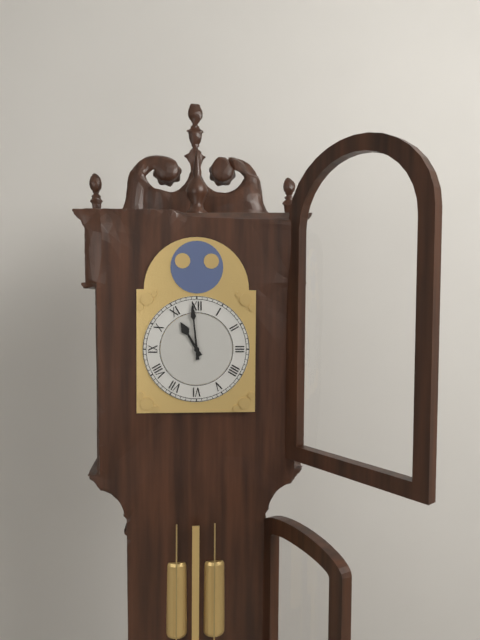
10:59
